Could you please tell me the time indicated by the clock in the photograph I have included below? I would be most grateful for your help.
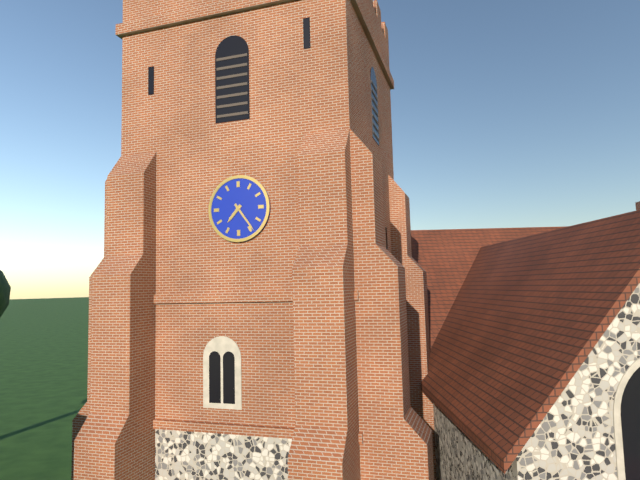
7:24
